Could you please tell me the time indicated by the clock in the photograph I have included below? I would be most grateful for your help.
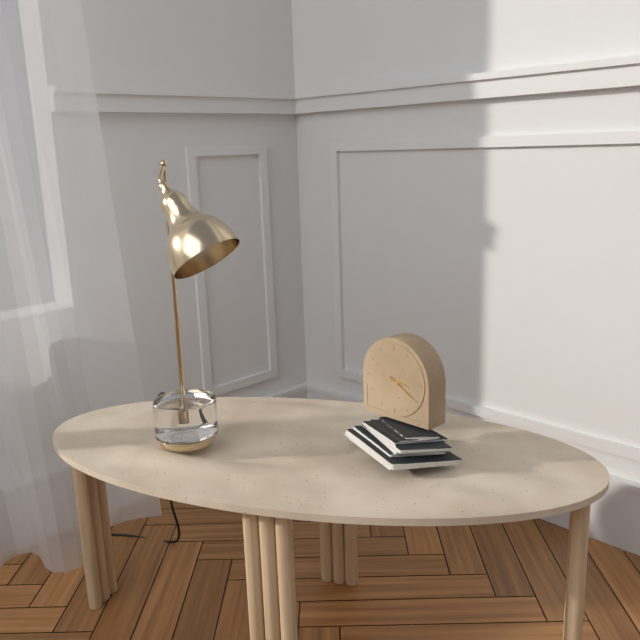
3:20
